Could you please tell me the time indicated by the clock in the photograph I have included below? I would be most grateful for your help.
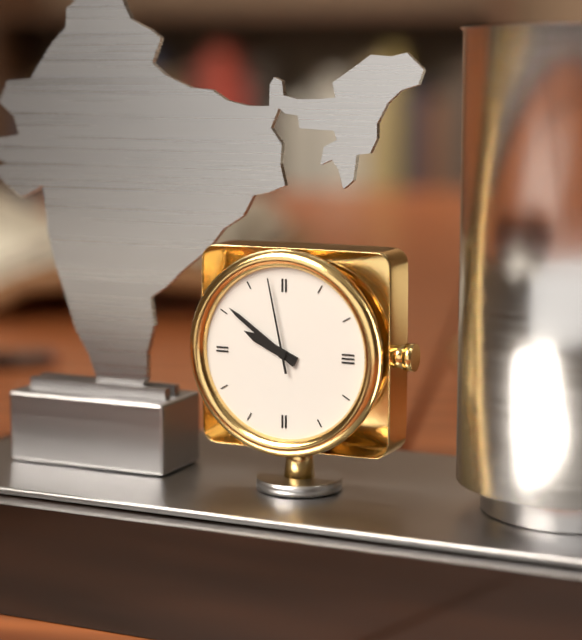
9:51:58
